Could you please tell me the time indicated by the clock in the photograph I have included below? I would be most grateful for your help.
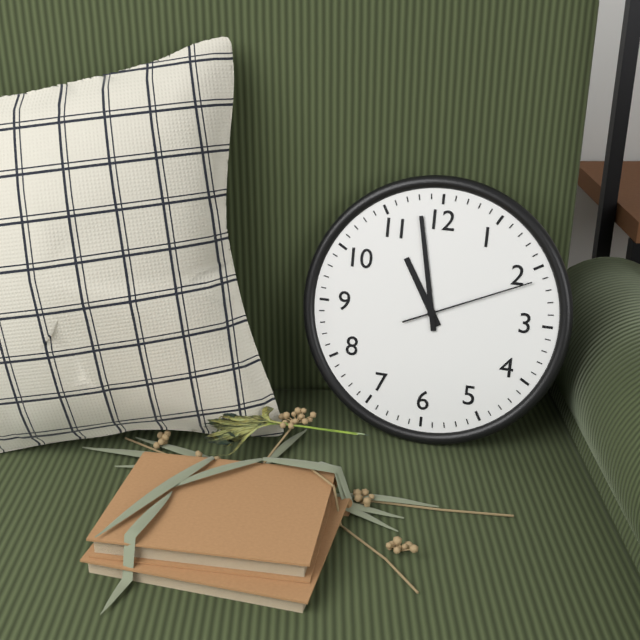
10:58:11
